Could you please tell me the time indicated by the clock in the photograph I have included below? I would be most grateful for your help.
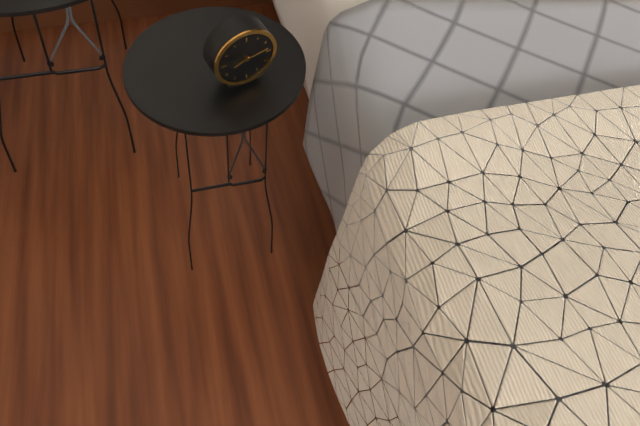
8:13
